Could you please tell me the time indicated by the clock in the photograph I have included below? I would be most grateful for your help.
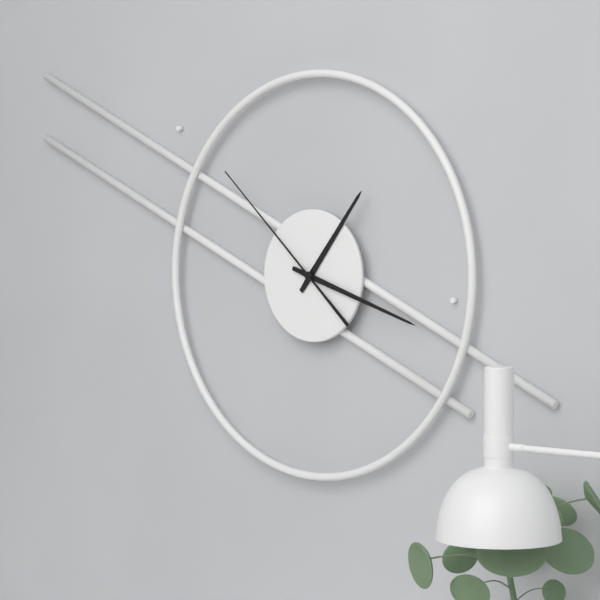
1:18:52
